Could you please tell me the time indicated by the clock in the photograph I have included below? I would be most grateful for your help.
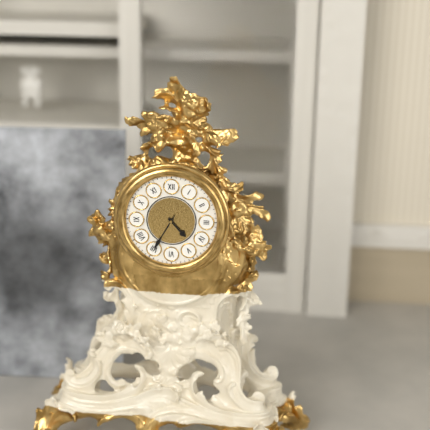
4:35
